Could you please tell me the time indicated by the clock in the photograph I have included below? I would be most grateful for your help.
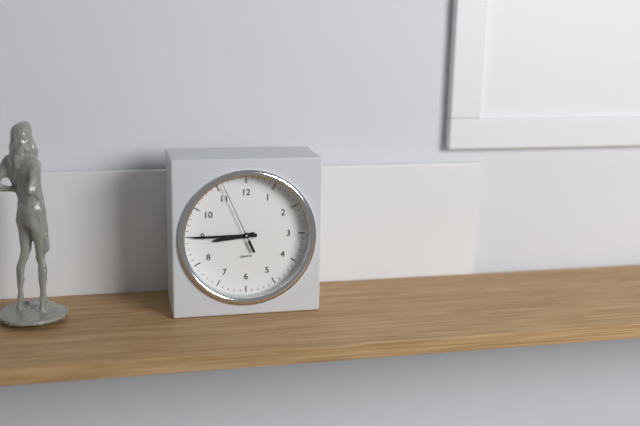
8:45:56
